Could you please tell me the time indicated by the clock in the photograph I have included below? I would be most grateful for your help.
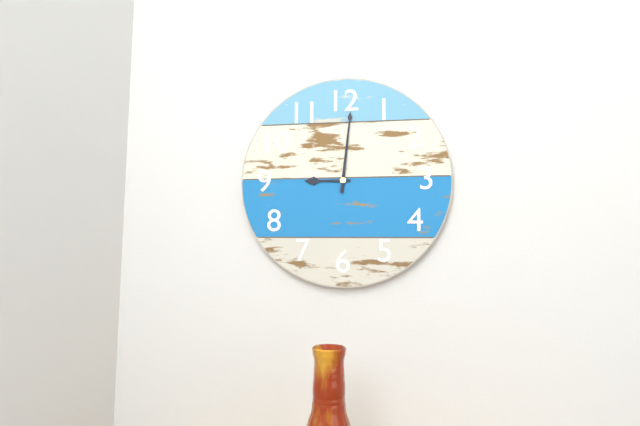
9:01
